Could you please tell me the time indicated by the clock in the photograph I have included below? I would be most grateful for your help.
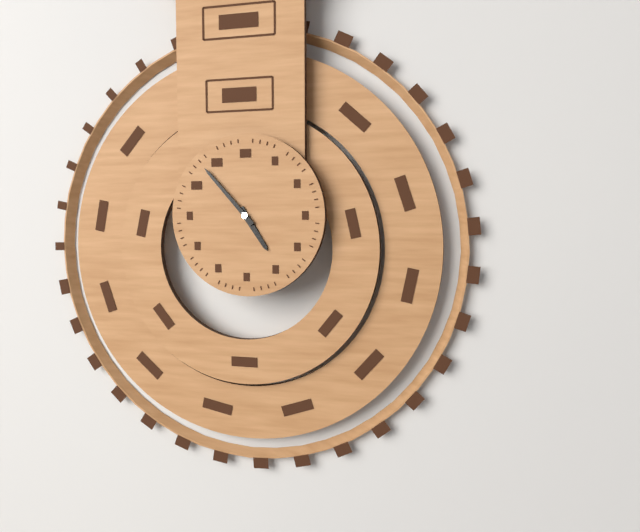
4:53
